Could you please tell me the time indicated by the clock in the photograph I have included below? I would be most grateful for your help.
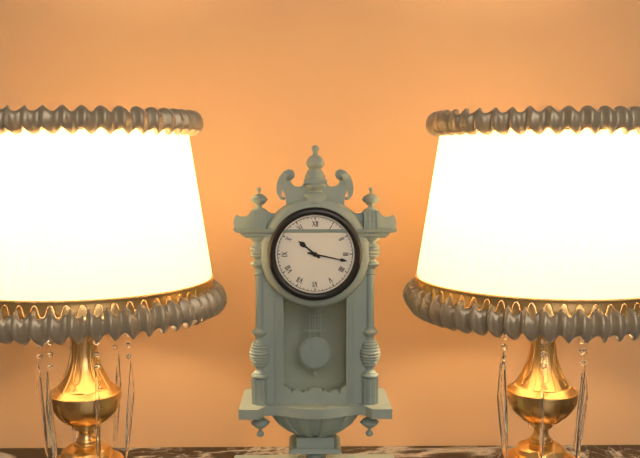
10:17
